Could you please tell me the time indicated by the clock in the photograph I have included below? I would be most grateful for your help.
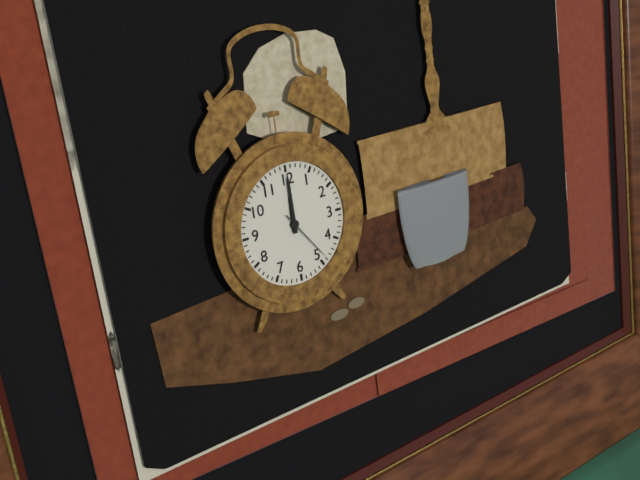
12:00:24
